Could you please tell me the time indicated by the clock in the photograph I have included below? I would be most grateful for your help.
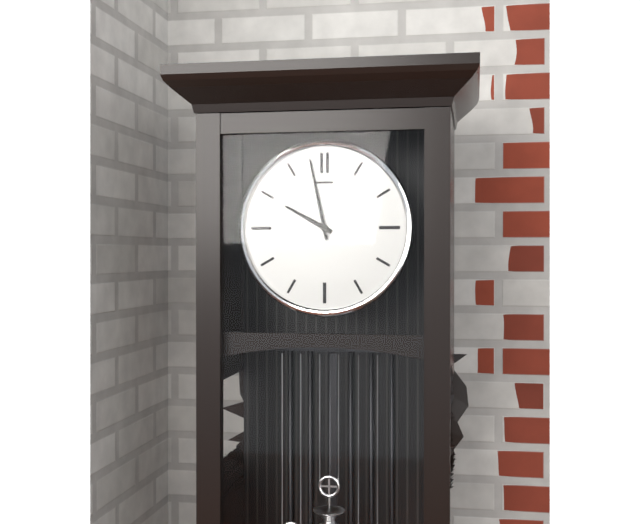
9:58
